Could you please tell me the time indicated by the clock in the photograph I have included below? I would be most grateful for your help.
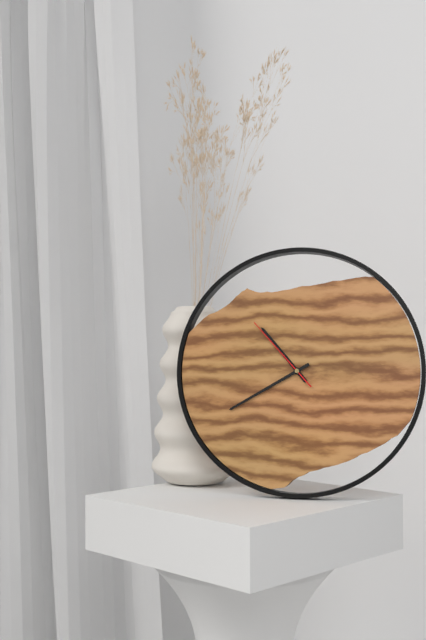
10:40:53
